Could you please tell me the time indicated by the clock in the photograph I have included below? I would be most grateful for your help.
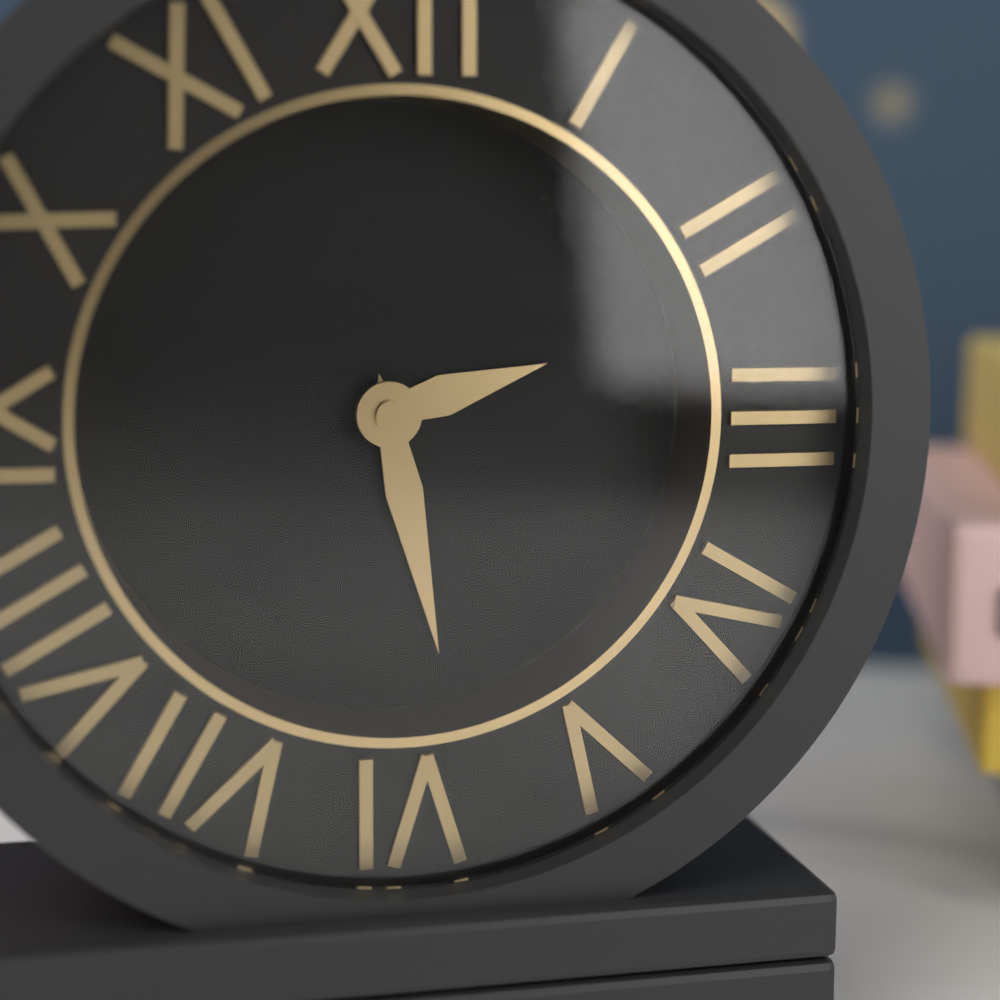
2:28
